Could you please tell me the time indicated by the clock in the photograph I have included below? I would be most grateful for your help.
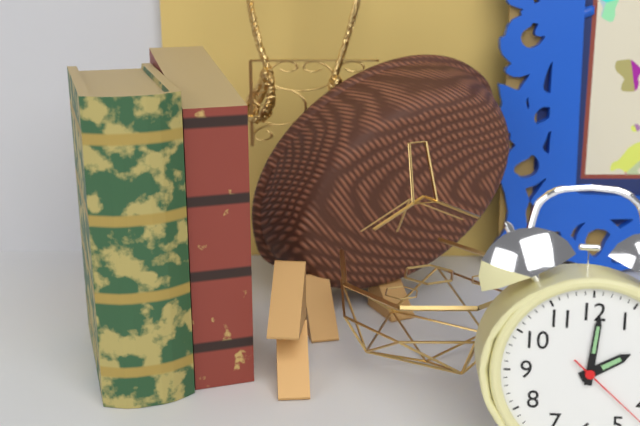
2:01
